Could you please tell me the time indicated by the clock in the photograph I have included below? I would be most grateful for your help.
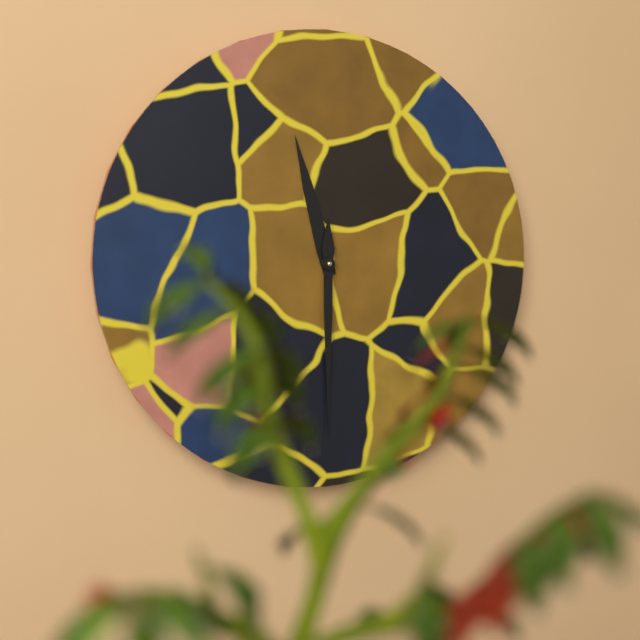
11:30
